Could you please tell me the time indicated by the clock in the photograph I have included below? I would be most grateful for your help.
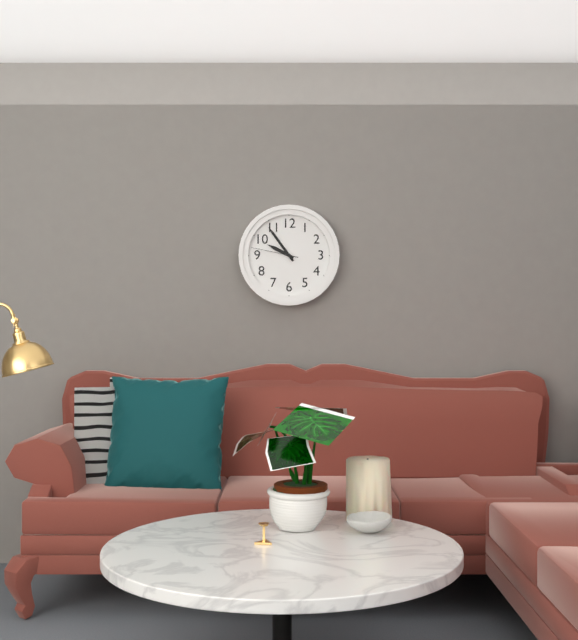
9:54
